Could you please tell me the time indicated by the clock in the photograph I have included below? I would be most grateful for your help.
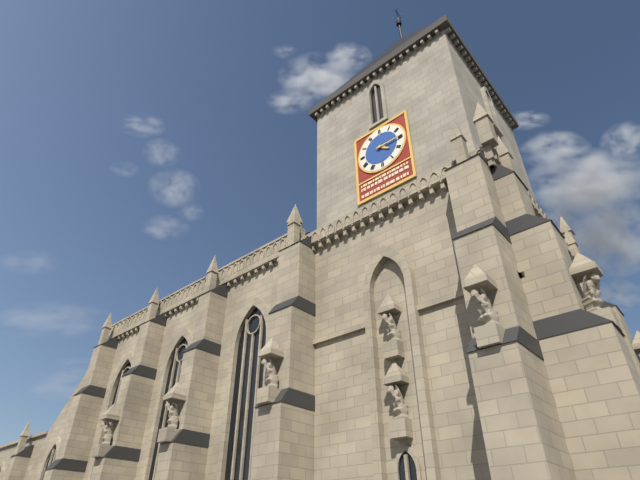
4:15
